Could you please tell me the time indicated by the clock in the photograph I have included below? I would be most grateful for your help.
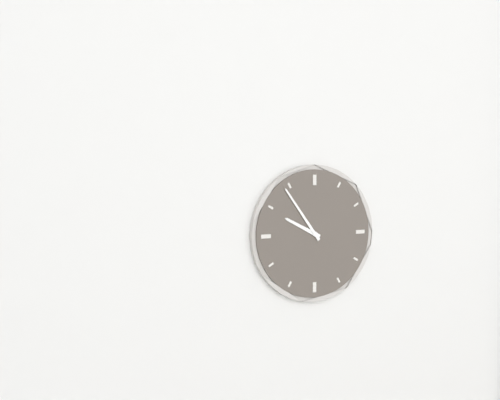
9:54
